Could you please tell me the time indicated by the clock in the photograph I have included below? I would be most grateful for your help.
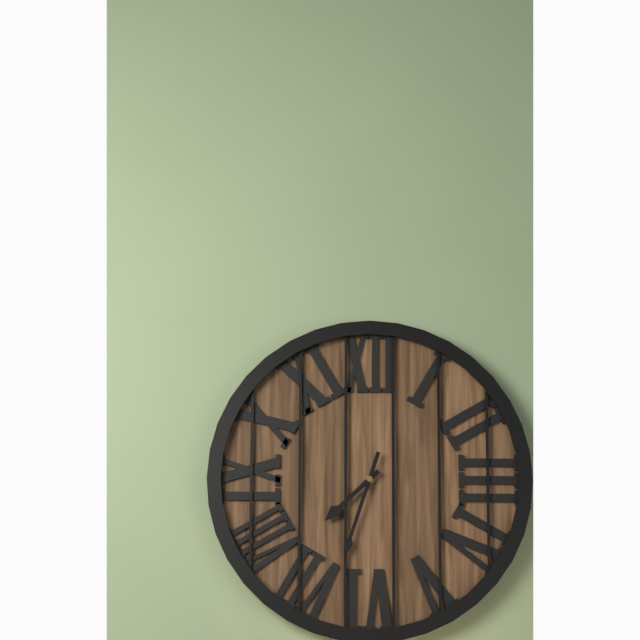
7:33
